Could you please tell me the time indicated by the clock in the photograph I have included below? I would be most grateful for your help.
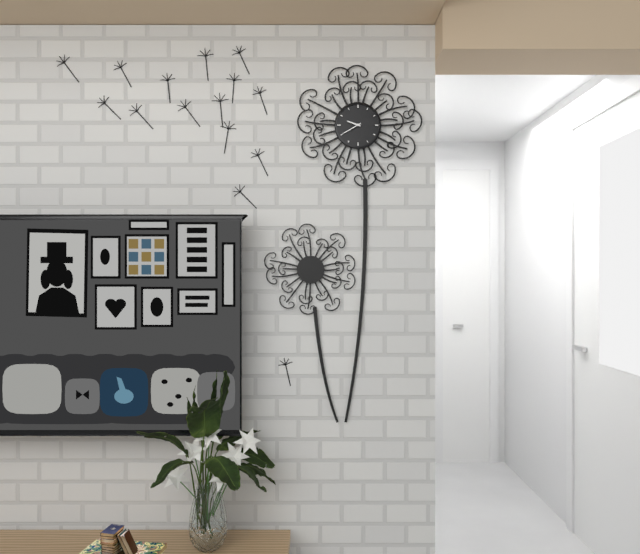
9:40
